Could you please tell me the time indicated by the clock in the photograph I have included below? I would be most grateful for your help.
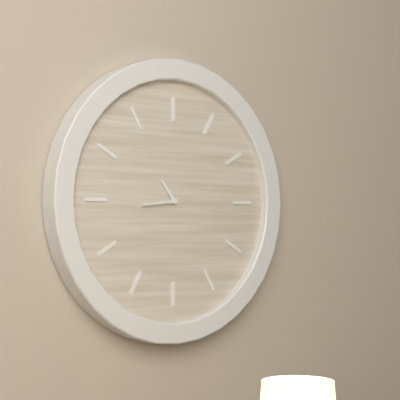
10:44
